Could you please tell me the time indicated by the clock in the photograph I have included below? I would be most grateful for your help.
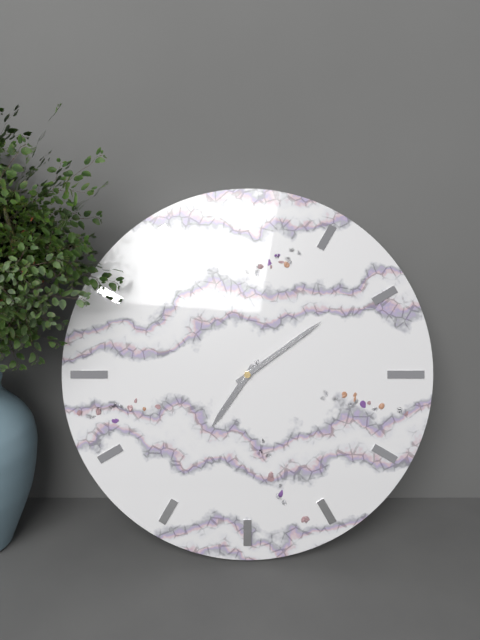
7:09:36
